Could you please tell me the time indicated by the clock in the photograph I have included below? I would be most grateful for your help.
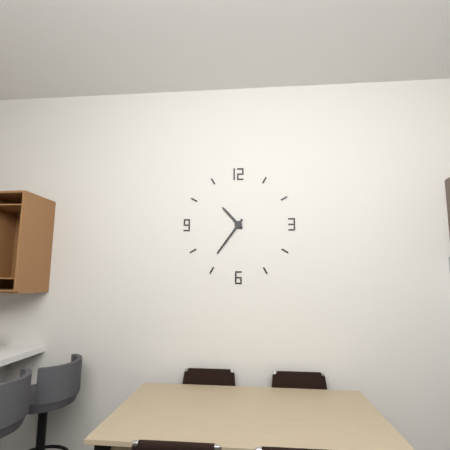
10:36
